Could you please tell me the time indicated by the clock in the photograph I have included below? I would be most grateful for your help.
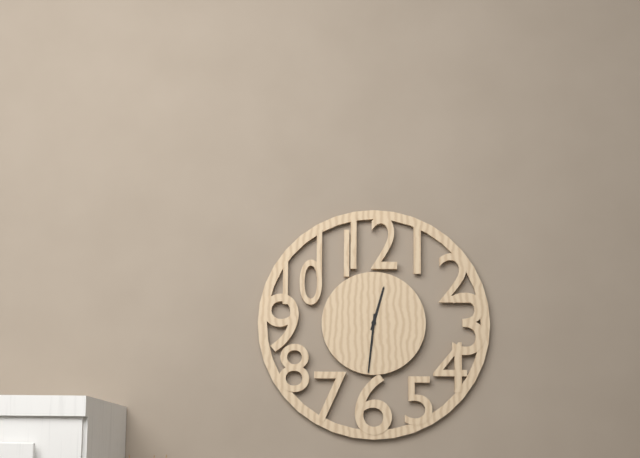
12:31
